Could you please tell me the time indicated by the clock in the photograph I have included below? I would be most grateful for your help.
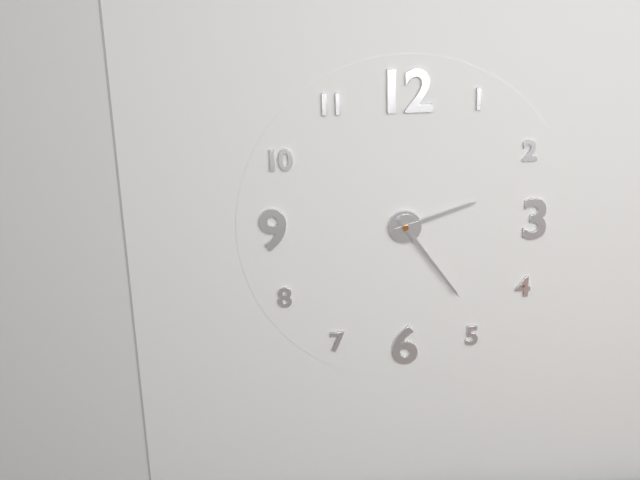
2:24
